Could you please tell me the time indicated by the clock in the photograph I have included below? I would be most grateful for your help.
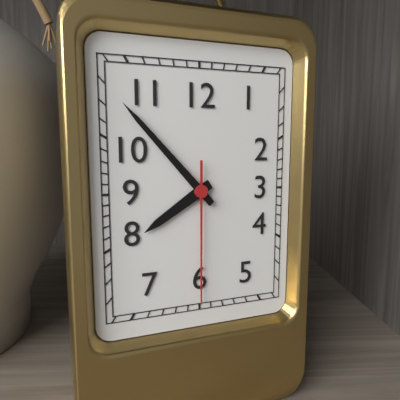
7:53:30
